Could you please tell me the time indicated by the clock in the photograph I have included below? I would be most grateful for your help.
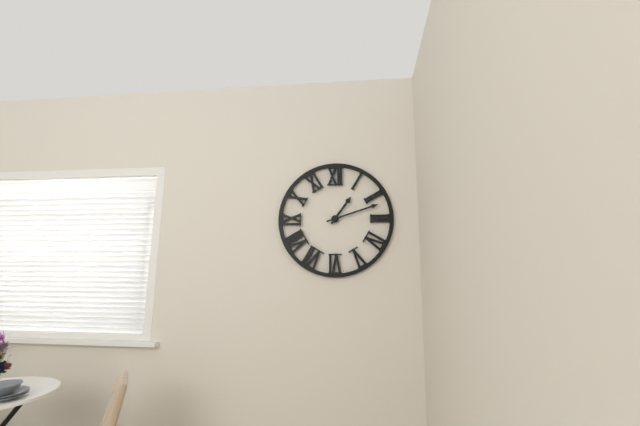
1:12
